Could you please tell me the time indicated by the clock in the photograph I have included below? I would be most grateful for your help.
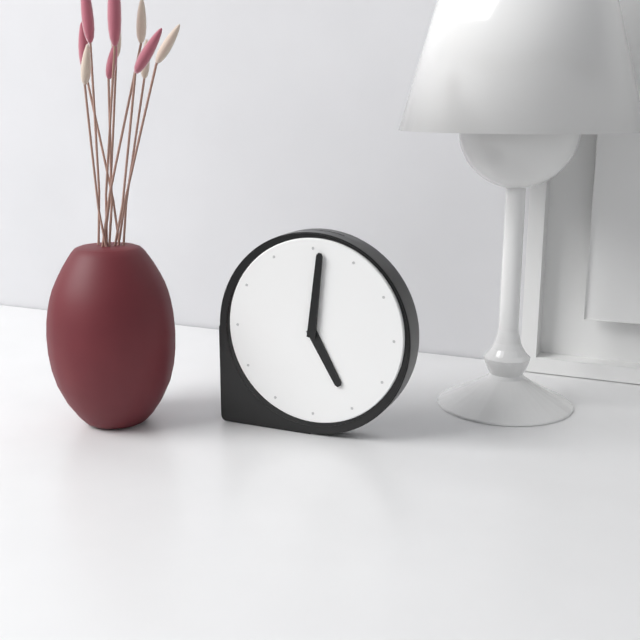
5:01
